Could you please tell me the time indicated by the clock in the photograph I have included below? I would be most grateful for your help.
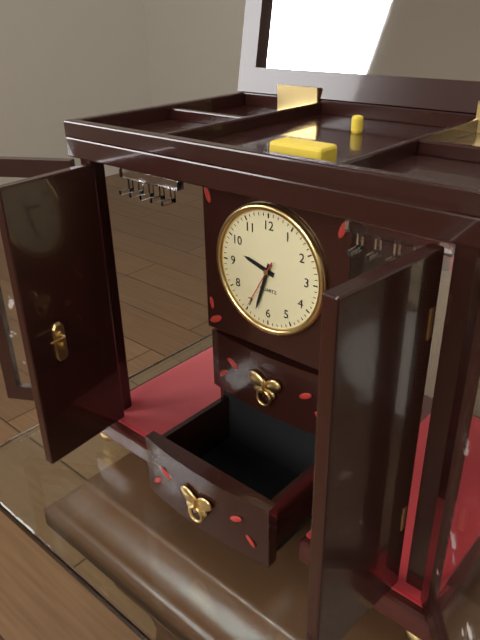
9:33
